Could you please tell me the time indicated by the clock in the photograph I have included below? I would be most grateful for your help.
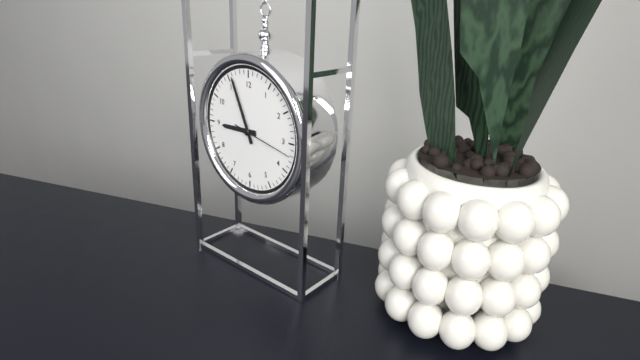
8:56:17
